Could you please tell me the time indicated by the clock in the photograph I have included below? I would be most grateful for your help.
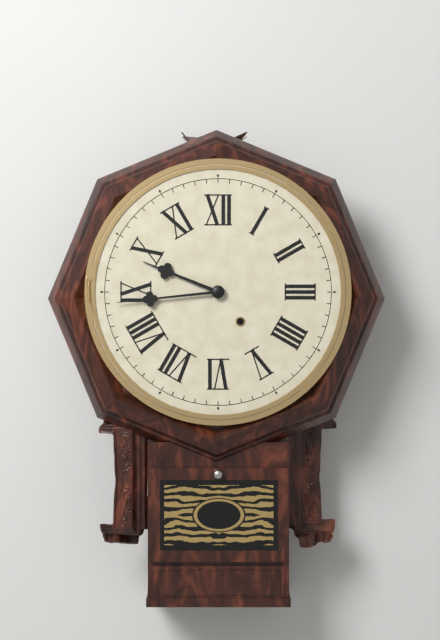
9:44
